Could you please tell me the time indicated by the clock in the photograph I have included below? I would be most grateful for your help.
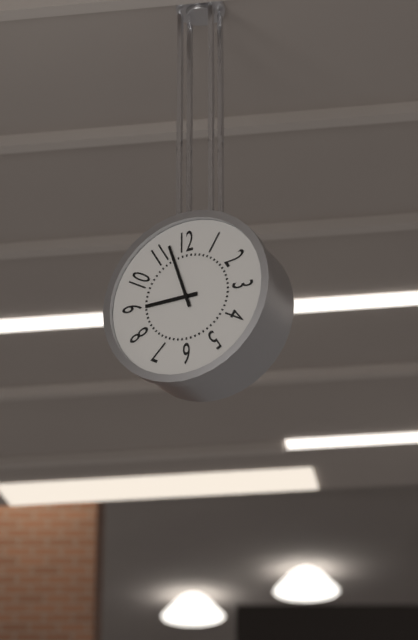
8:57
